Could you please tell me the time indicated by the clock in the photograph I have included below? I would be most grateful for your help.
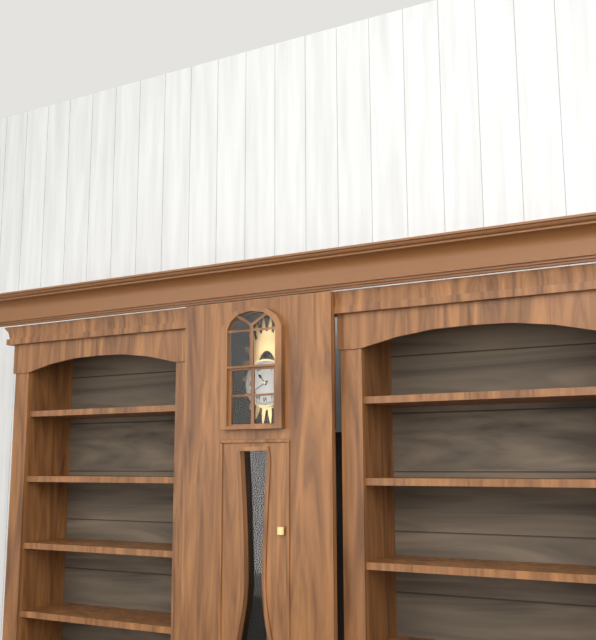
10:40
